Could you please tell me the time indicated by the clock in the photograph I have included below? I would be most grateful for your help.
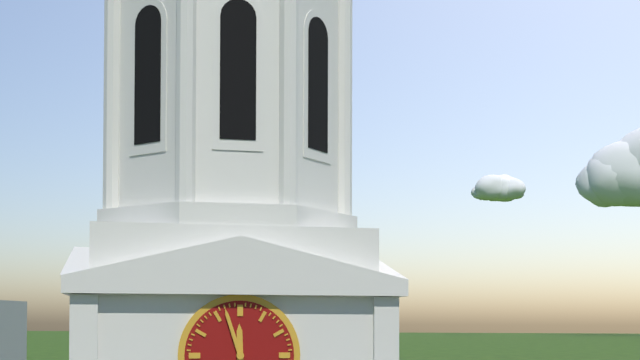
11:57
